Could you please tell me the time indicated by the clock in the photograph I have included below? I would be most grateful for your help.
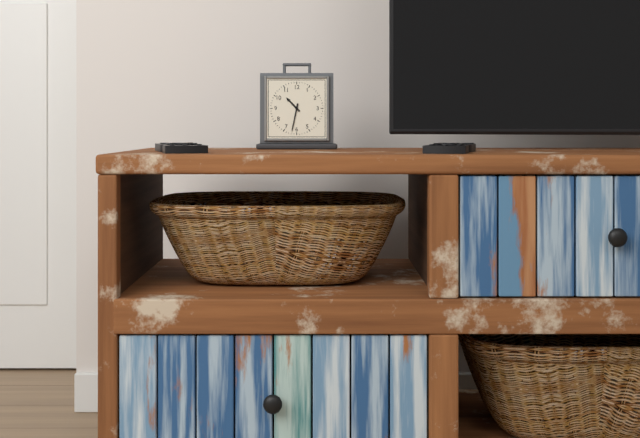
10:32
